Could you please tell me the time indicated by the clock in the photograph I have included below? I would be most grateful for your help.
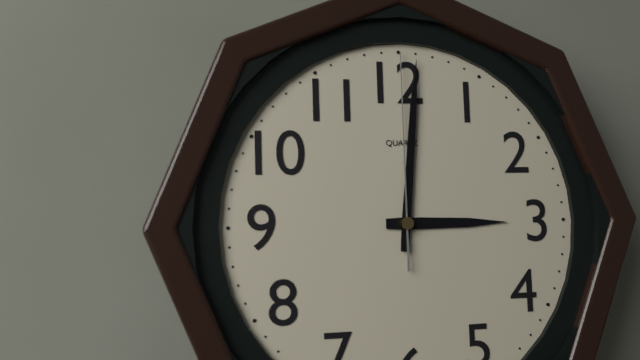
3:01:00
